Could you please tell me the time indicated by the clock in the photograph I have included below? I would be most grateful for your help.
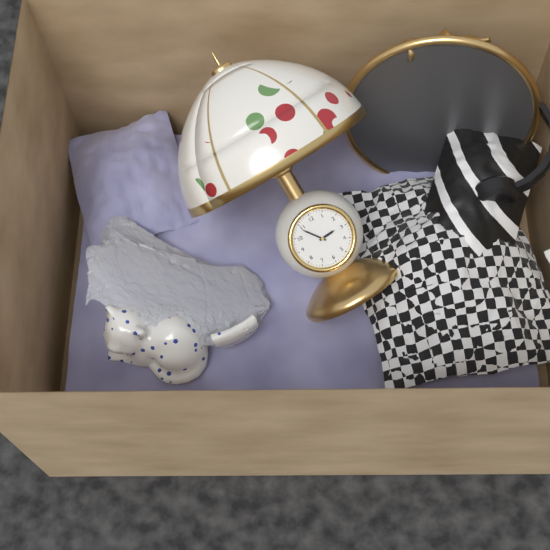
2:54
